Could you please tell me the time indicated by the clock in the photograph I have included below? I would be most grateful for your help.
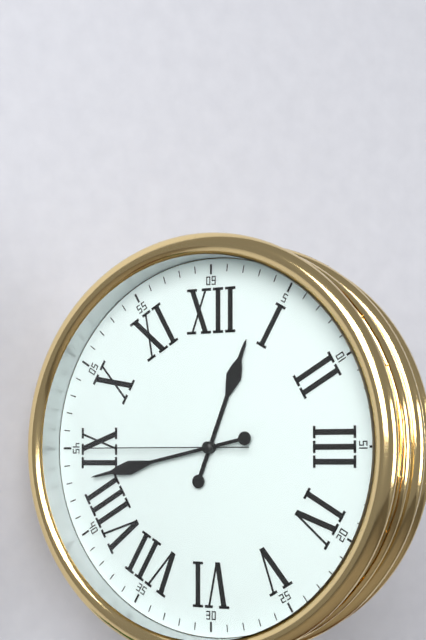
12:43:45
